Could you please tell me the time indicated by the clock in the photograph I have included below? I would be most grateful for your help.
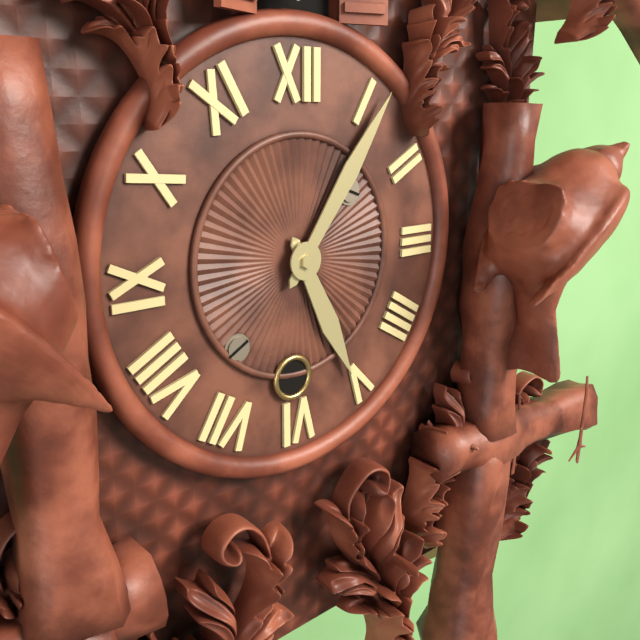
5:06
